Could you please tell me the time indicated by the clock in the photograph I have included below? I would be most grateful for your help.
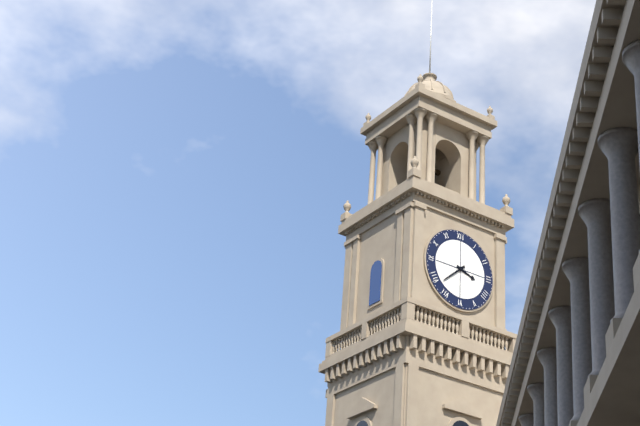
3:38
